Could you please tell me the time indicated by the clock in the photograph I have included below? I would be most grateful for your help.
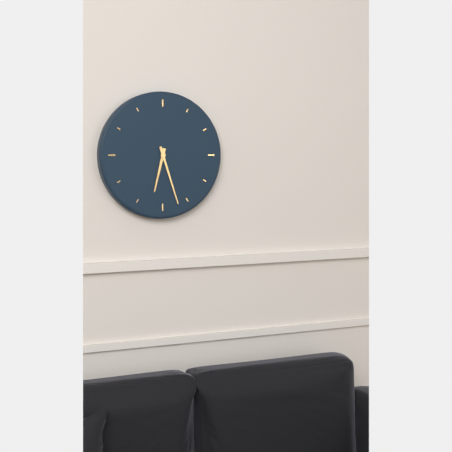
6:27
